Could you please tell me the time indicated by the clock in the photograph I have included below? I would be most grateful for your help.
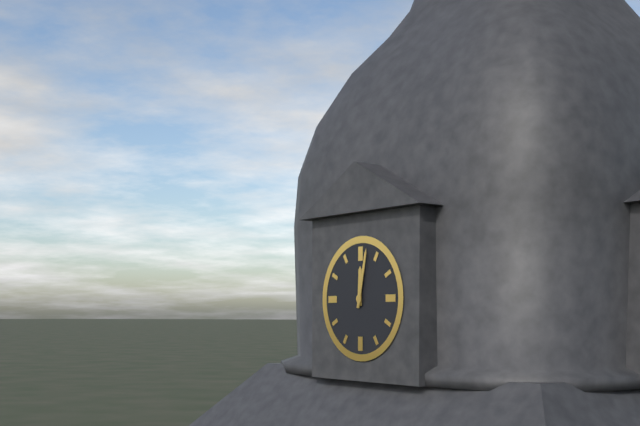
12:02
